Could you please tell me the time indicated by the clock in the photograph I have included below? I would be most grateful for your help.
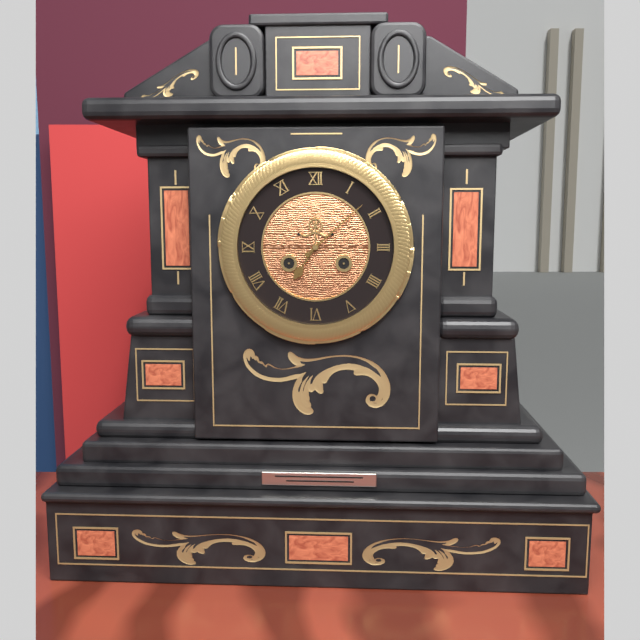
7:08
